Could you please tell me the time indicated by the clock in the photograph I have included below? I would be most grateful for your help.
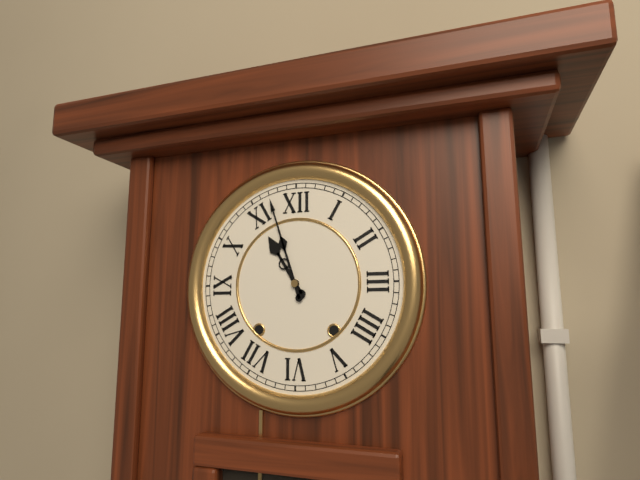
10:57
